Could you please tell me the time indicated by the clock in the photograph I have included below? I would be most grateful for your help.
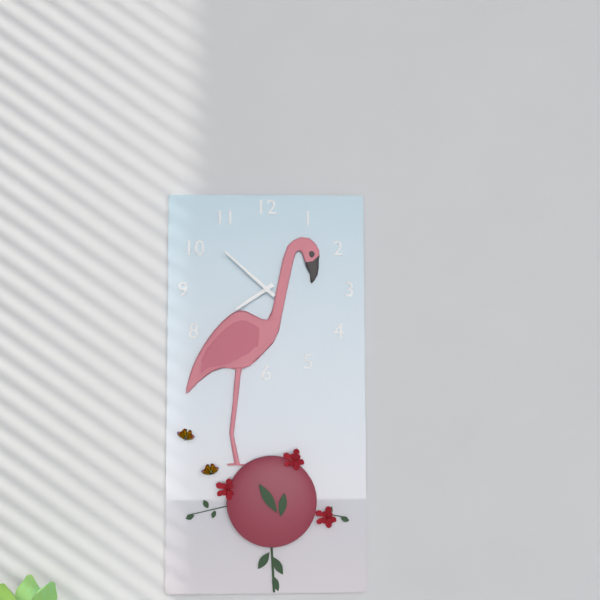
7:52
